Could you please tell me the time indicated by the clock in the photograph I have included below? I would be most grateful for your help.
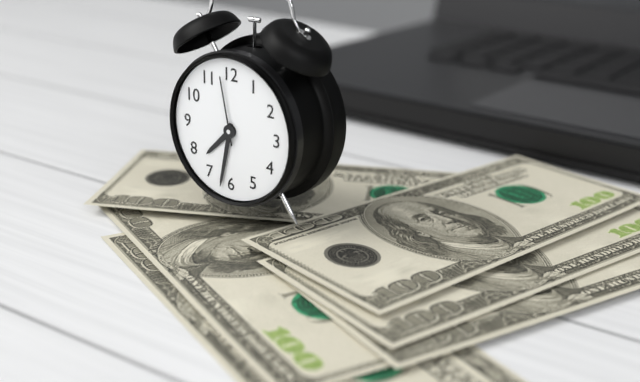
7:32:58
